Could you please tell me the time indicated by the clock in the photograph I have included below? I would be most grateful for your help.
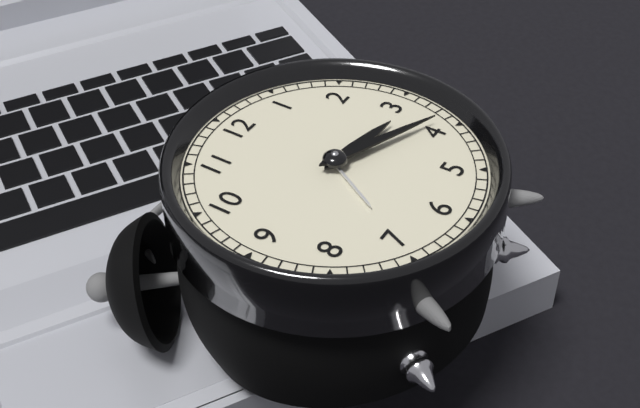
3:19
